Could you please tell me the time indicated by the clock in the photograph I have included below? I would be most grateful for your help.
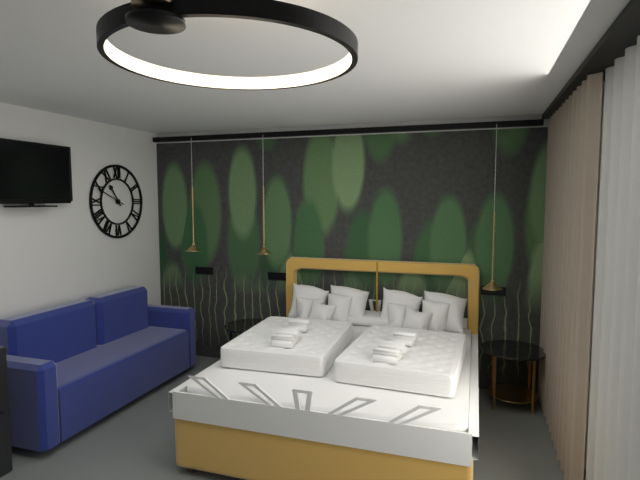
10:49
